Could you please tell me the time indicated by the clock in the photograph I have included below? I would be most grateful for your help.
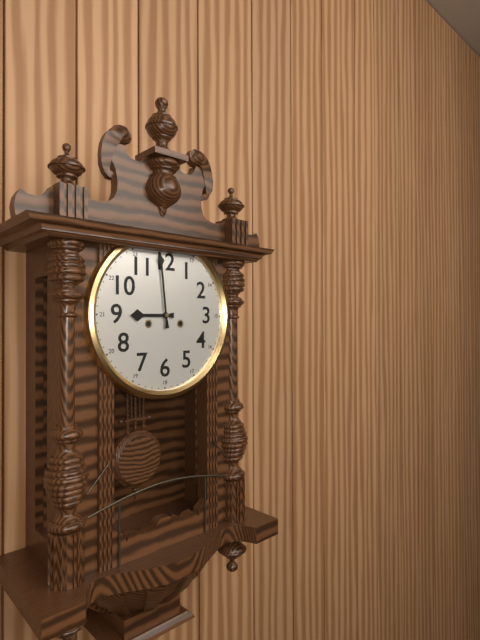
8:59
